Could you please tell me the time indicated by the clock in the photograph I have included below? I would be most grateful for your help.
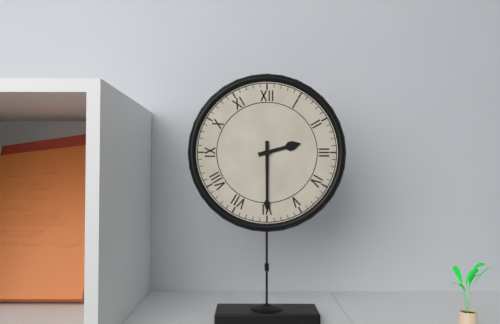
2:30
